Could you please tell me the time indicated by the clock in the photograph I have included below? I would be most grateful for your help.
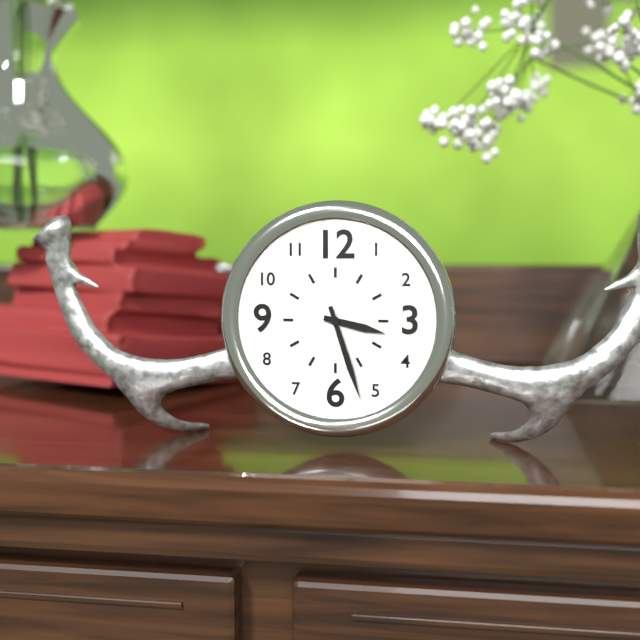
3:27
